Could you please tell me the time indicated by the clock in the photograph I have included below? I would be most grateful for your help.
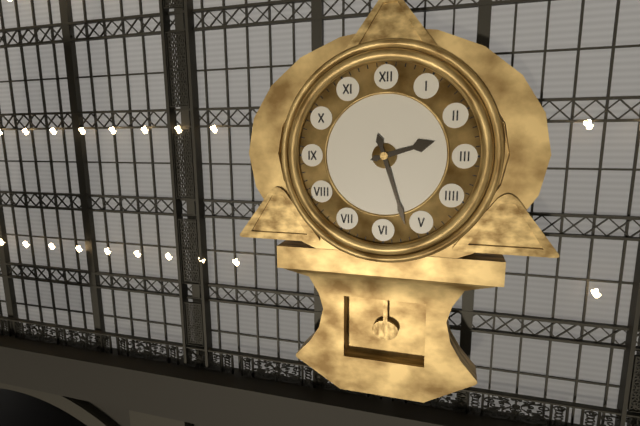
2:27
